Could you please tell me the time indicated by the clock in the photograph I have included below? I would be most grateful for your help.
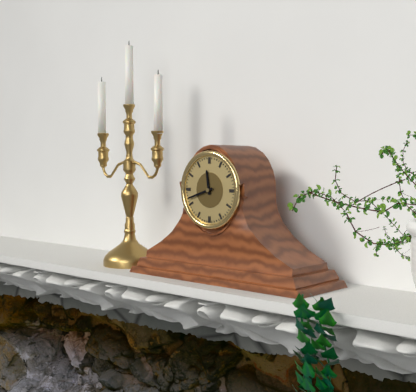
11:42
